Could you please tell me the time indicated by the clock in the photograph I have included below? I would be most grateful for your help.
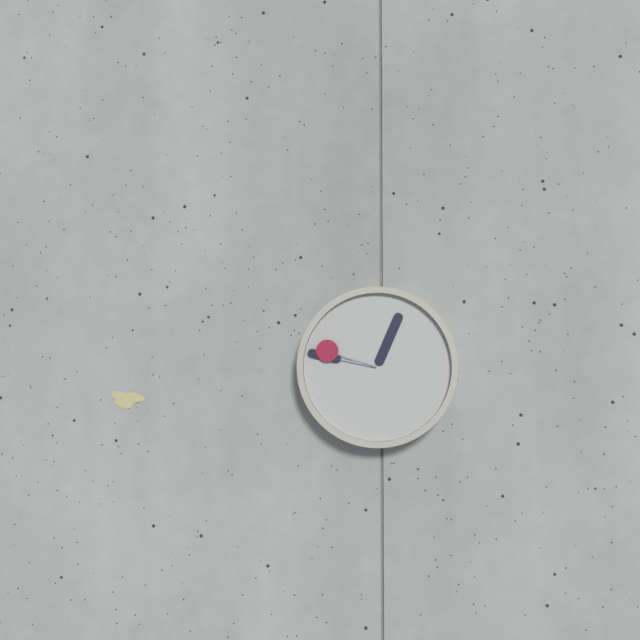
12:47:48
